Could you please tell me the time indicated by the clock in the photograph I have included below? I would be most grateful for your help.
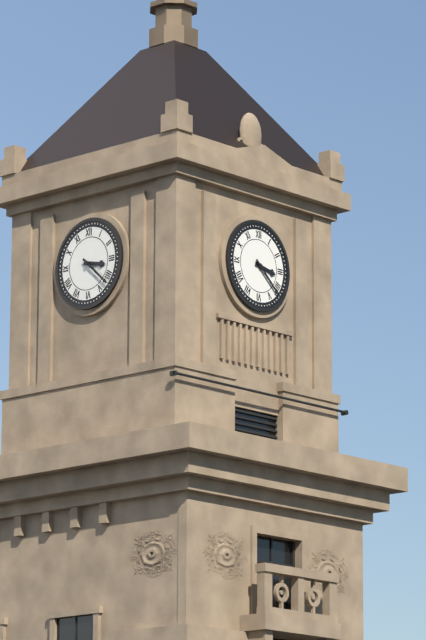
3:22
